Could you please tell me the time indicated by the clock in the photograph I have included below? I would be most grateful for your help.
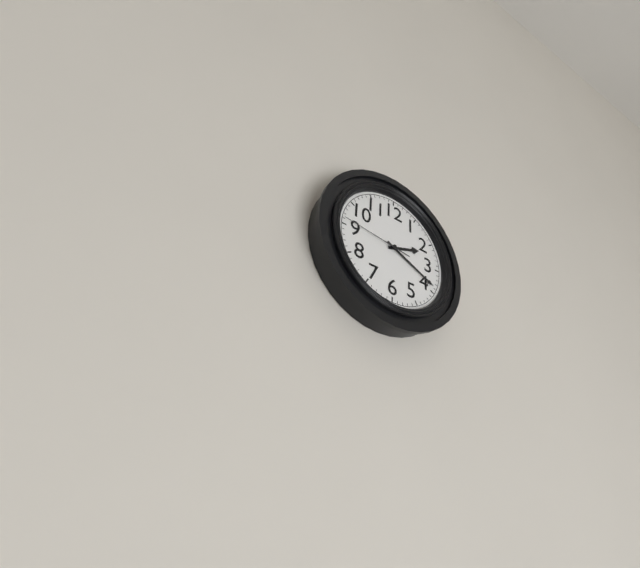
2:19:46
